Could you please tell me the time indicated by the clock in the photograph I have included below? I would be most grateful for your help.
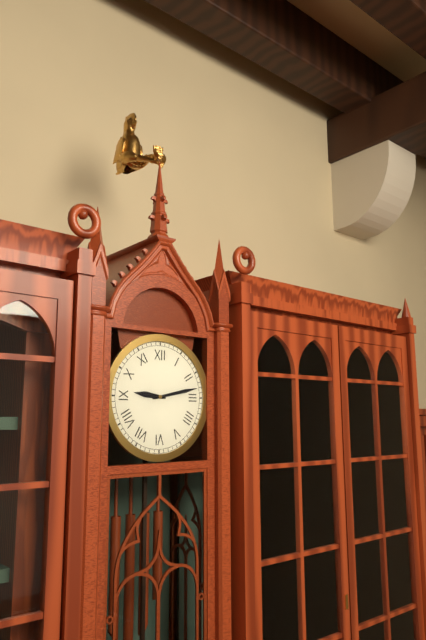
9:13
